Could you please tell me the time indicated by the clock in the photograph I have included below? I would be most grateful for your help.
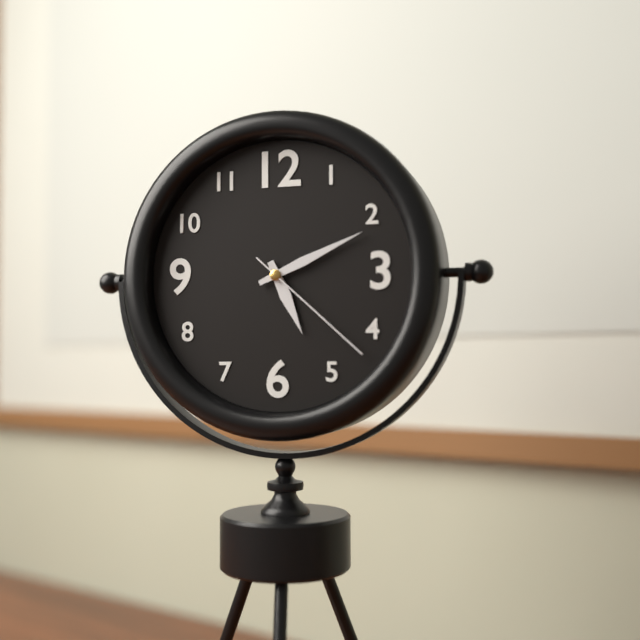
5:11:22
